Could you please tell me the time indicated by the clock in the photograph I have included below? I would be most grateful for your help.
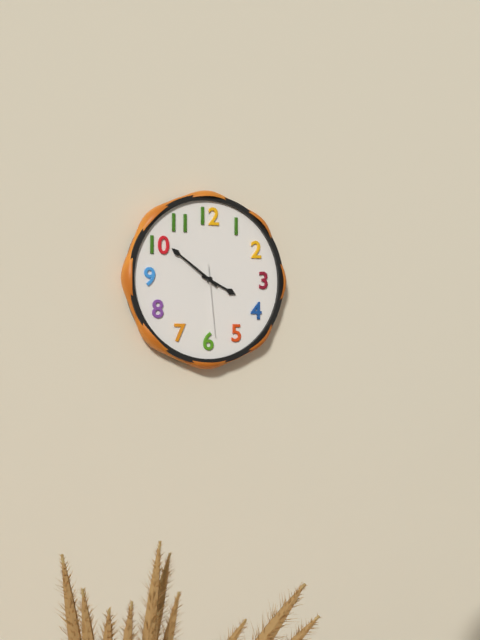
3:51:29
